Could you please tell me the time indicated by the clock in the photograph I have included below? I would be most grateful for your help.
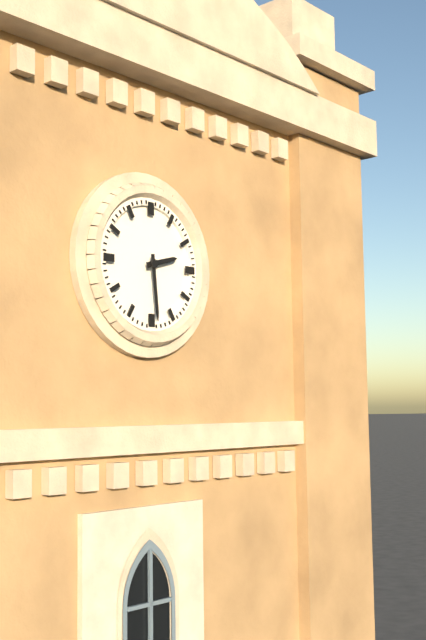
2:29
